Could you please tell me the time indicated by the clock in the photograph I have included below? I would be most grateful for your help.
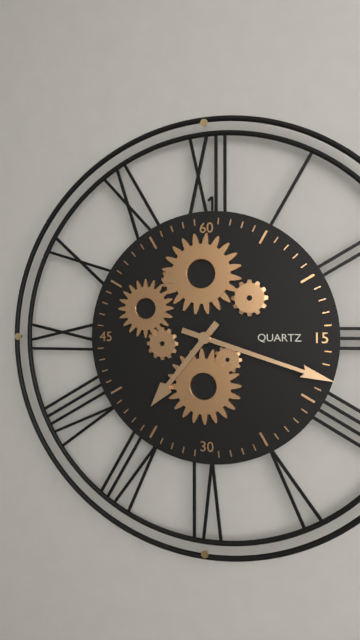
7:18
